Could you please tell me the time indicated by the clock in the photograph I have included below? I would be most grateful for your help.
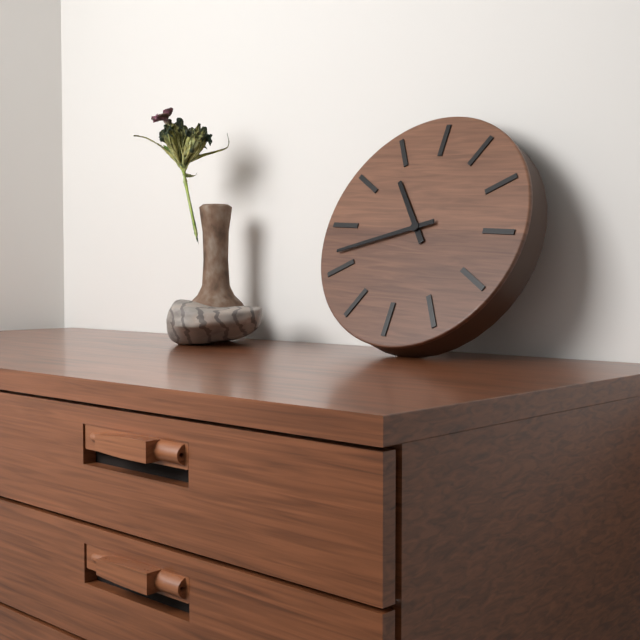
10:42
